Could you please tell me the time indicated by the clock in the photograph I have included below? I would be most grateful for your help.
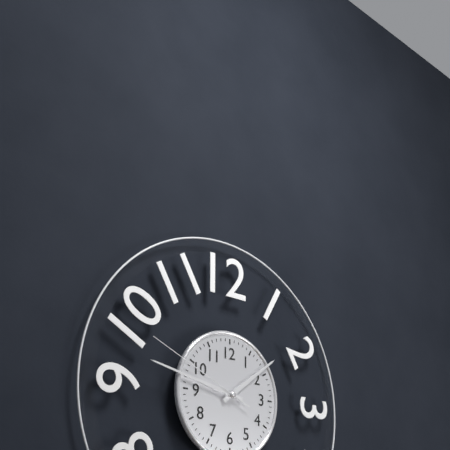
1:47:49
